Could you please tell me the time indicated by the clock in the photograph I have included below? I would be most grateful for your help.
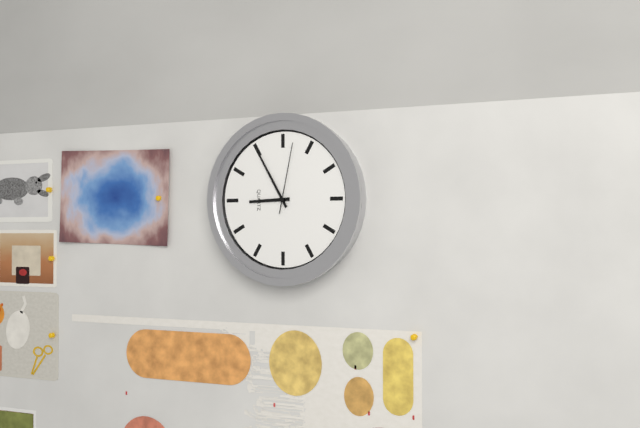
8:55:02
